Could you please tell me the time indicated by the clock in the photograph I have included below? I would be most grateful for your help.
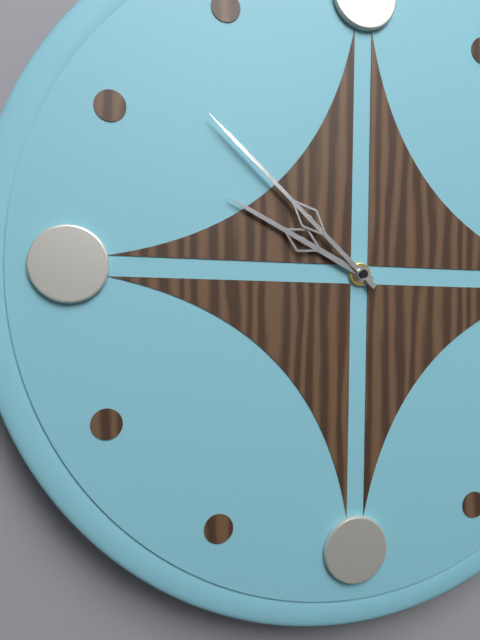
9:52
